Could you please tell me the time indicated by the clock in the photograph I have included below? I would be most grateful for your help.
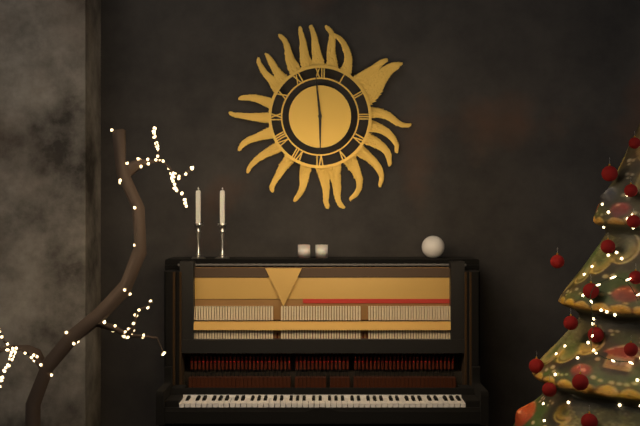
5:59
